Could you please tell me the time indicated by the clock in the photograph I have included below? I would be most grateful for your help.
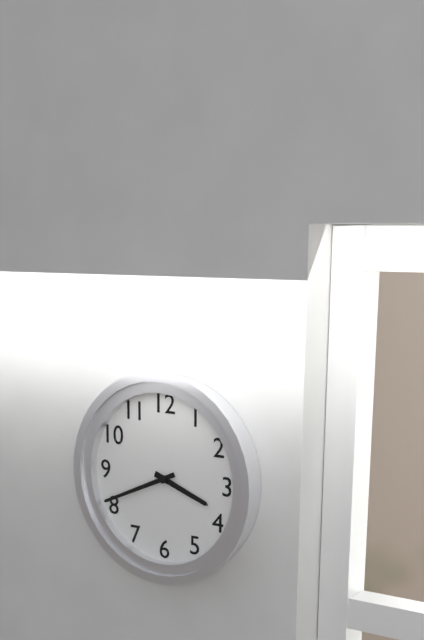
3:41
